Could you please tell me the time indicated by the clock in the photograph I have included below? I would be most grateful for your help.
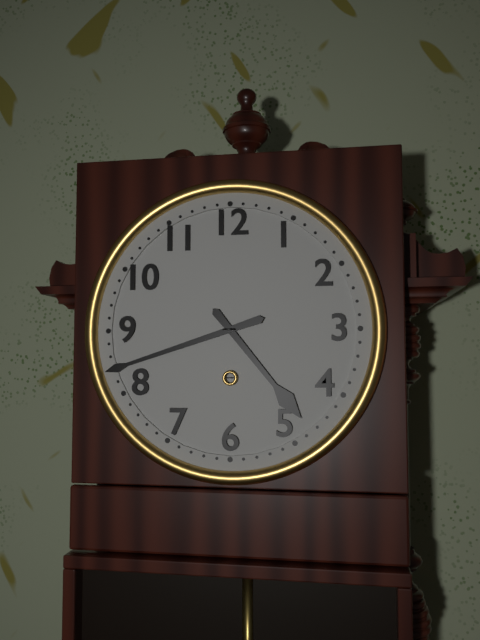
4:42
